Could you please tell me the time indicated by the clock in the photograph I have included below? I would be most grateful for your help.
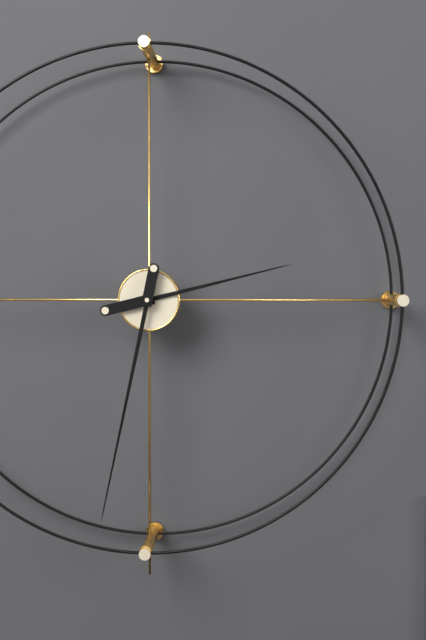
2:32
